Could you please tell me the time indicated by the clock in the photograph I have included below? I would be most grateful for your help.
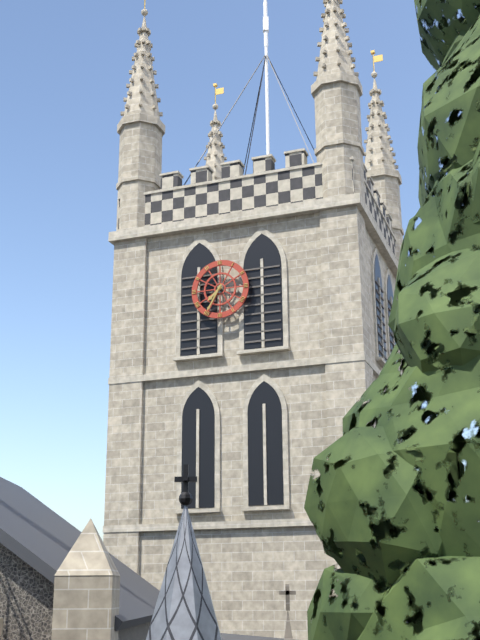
7:35
